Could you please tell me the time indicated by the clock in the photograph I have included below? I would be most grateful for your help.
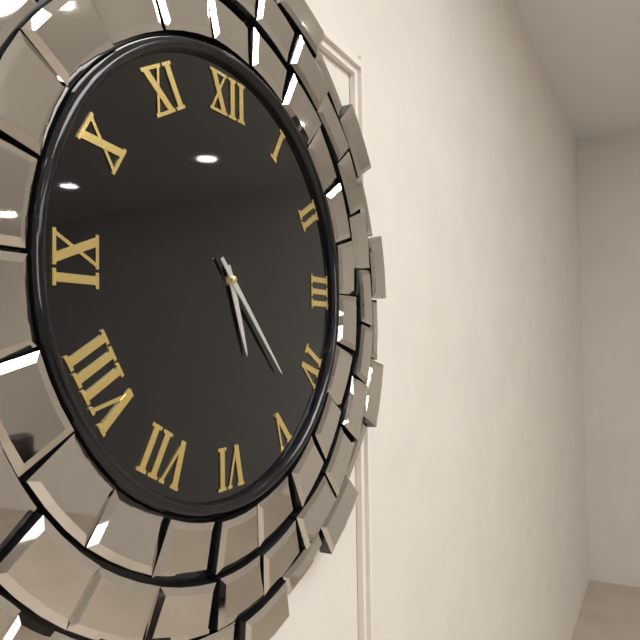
5:23
